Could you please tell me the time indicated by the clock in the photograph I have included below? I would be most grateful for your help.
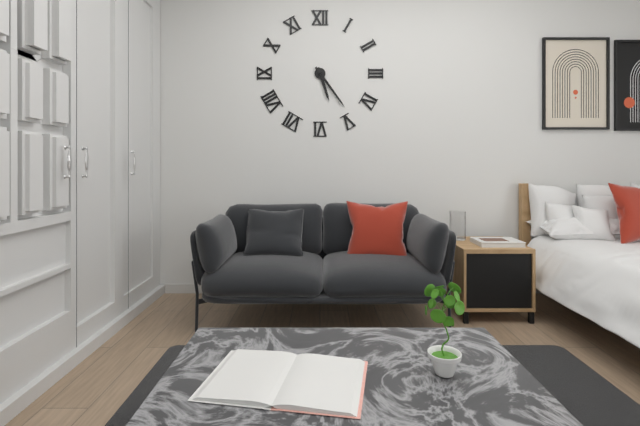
5:24
